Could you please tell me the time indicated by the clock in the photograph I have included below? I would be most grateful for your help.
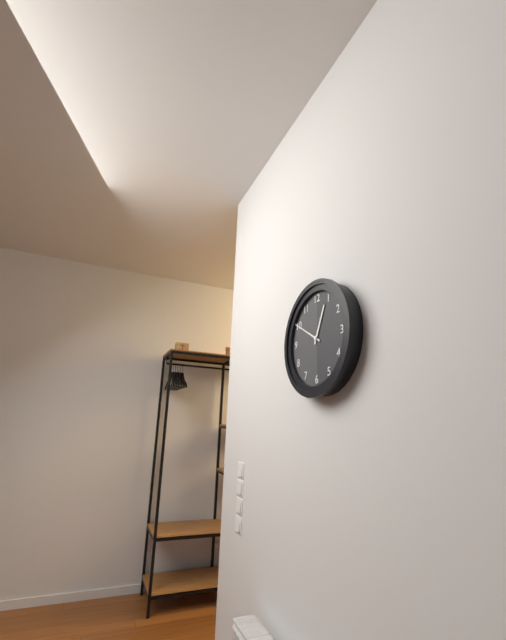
12:50
